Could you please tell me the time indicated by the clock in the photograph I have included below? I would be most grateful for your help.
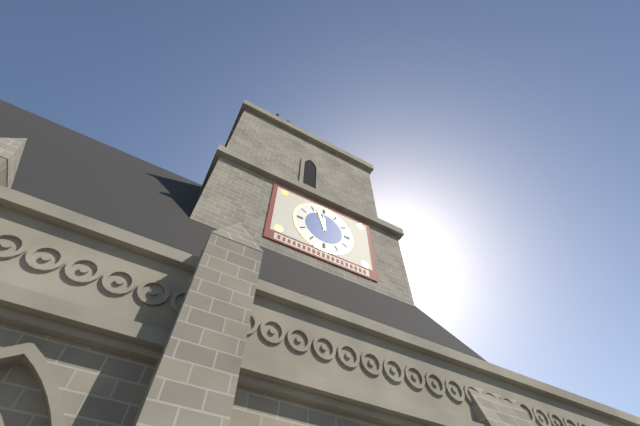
11:57
